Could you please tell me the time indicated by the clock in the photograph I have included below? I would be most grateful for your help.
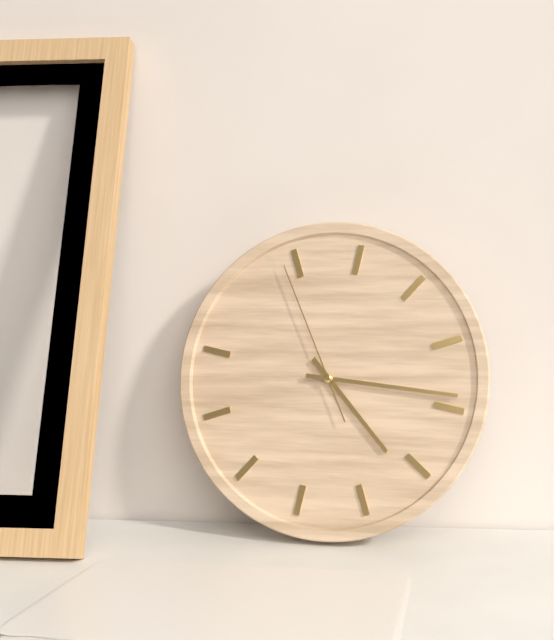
4:14:54
